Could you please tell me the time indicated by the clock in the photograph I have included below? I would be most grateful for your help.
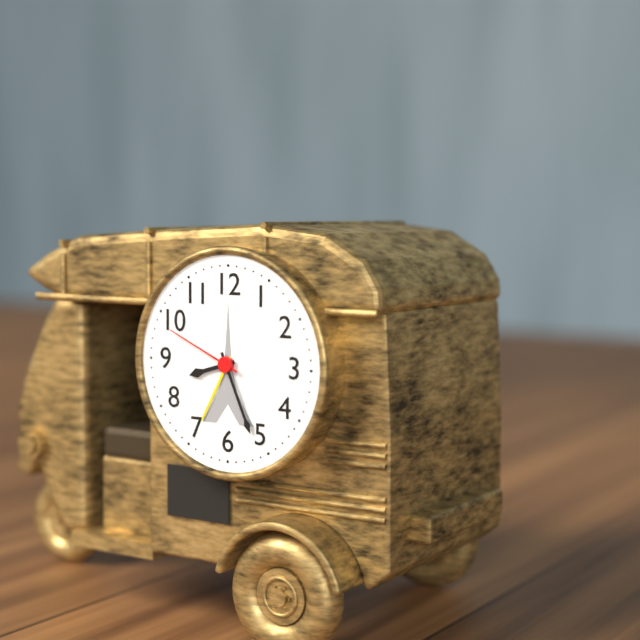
8:26:49
